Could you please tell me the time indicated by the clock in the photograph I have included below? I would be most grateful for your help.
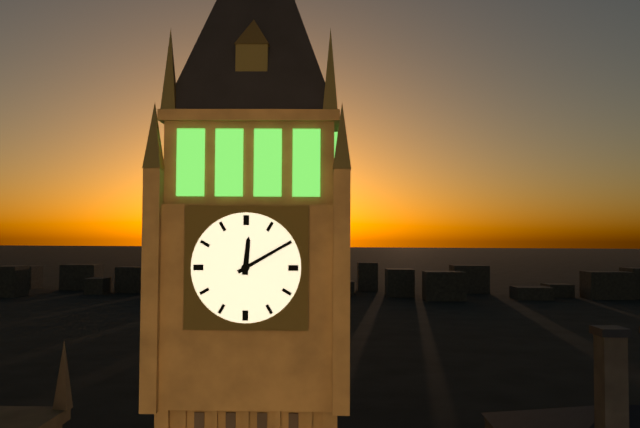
12:10
